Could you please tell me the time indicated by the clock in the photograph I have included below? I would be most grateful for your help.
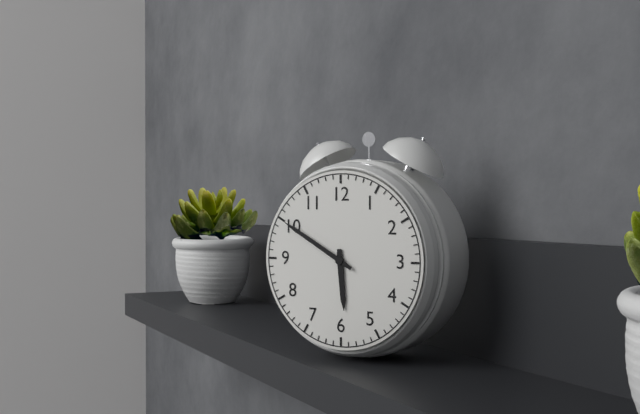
5:50
